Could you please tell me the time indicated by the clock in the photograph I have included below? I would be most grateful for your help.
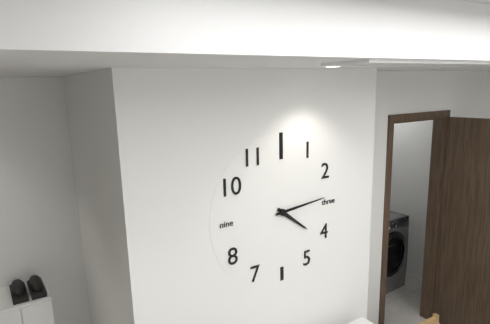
4:14
